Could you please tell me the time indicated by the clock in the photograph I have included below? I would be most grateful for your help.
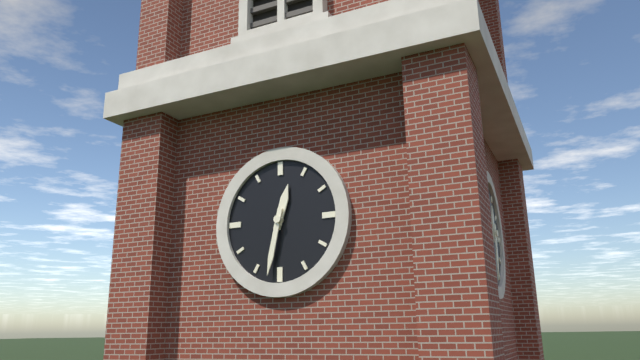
12:32
